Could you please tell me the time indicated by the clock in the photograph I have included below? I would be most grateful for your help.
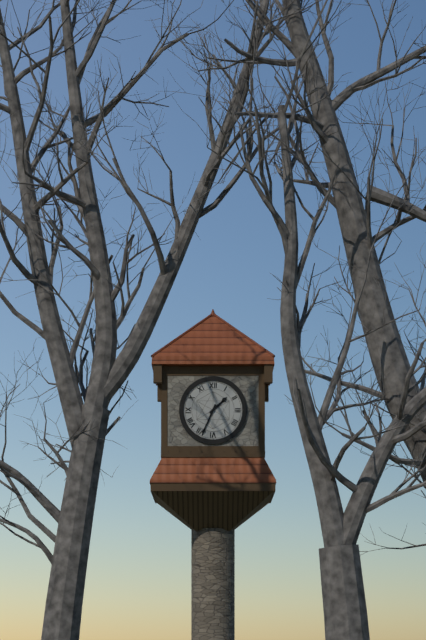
1:34
